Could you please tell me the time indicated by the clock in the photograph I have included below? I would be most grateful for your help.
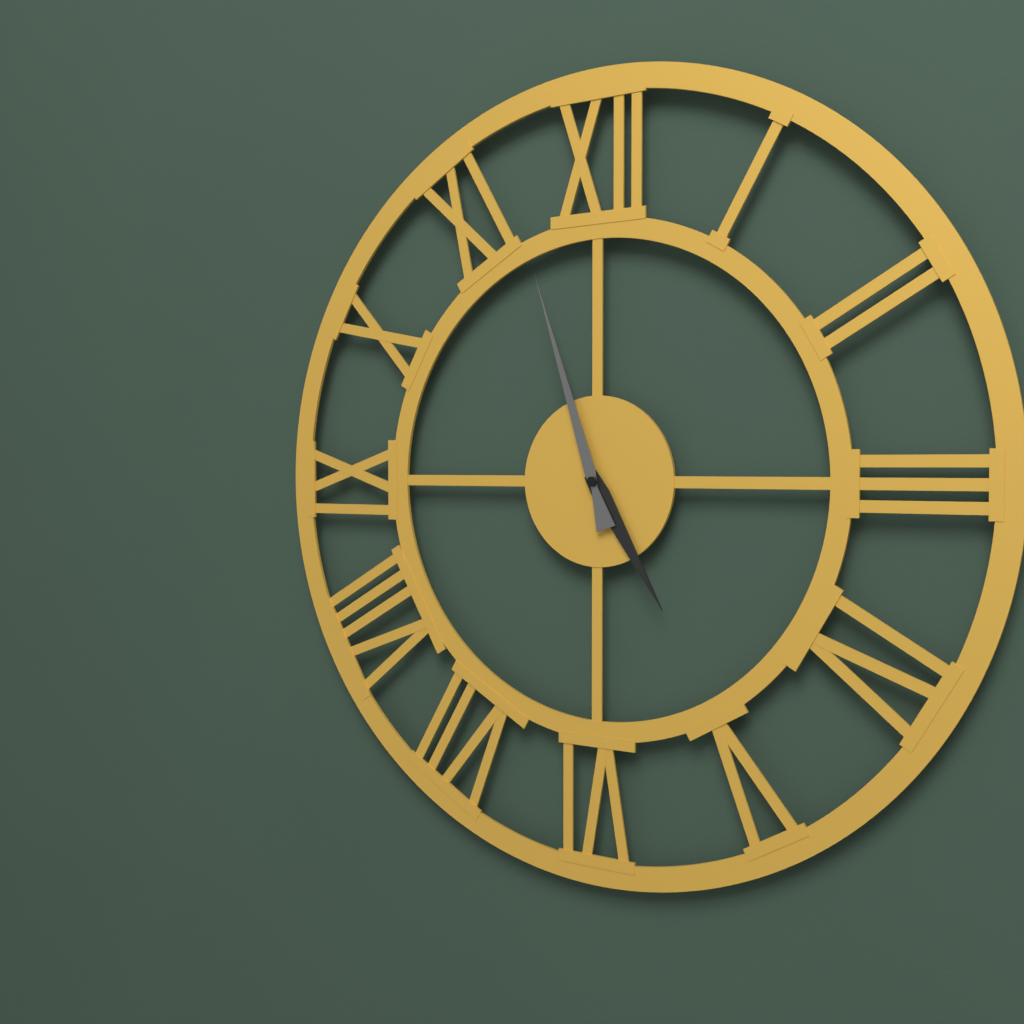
4:57
